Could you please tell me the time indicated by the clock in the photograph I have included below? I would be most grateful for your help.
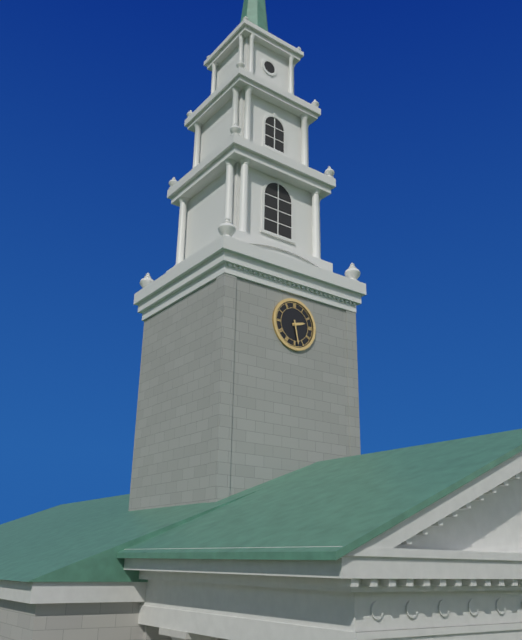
2:28
